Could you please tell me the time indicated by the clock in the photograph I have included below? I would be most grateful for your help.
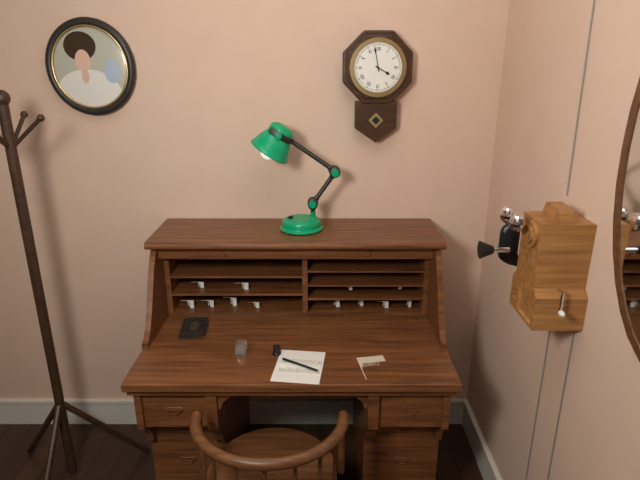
3:58
